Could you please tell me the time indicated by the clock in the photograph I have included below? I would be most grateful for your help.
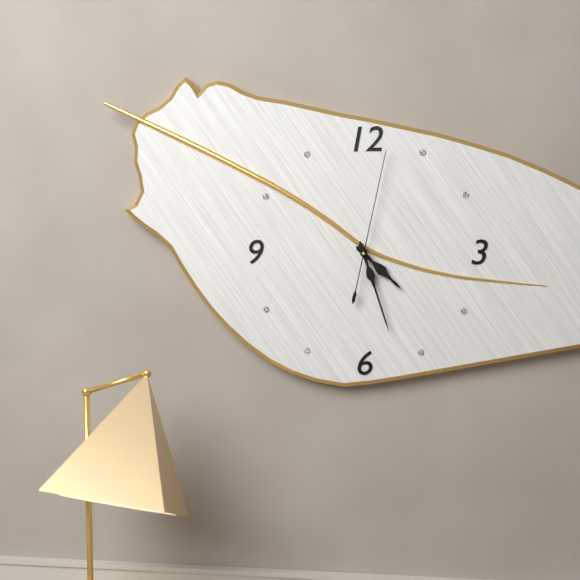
4:27:02
